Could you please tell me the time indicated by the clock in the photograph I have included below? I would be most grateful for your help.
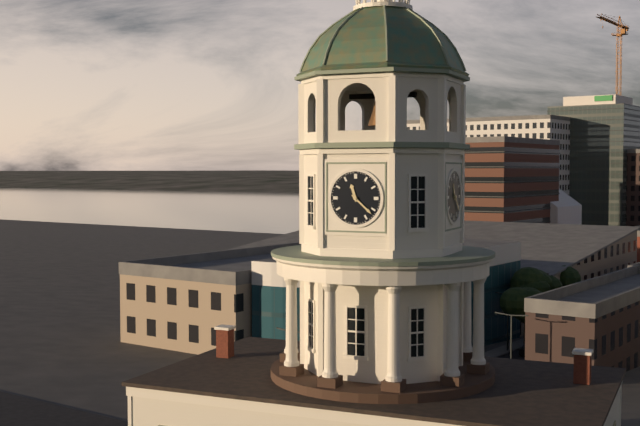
11:22
